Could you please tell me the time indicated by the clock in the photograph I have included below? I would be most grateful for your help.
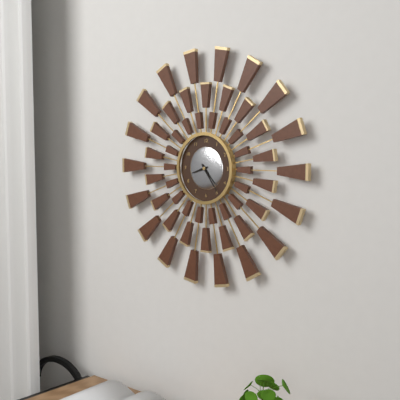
8:24
